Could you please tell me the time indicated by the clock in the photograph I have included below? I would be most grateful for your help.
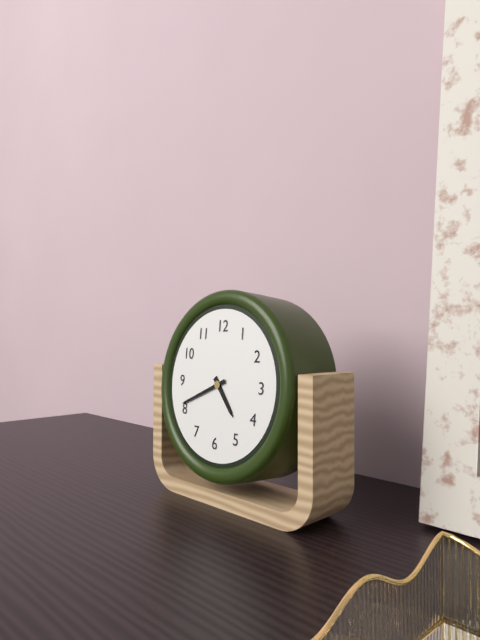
4:41
